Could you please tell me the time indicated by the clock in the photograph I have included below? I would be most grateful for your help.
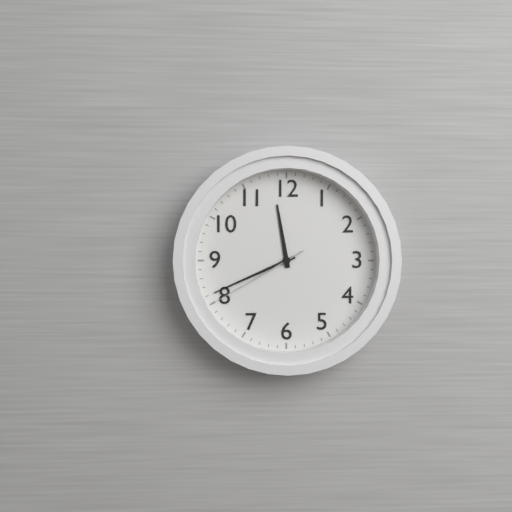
11:41:40
